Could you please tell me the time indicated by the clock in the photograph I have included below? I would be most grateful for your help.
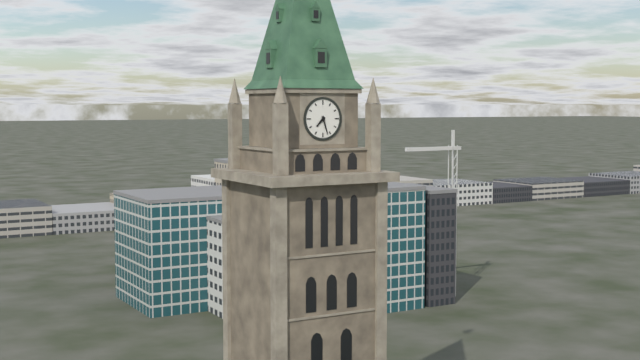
7:27
